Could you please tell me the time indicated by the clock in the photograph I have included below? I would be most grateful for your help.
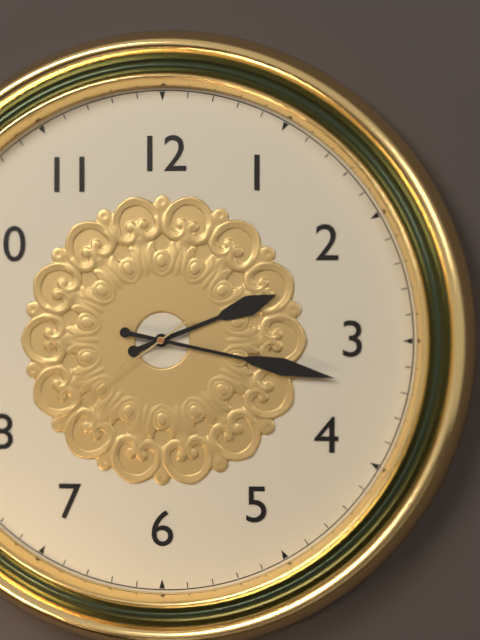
2:17:39
